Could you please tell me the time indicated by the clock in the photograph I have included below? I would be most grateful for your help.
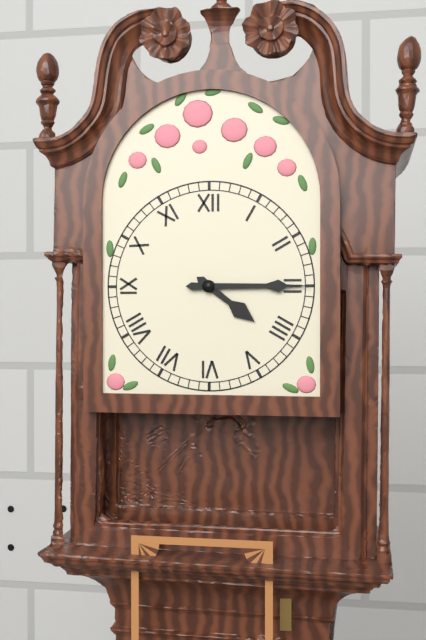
4:15
